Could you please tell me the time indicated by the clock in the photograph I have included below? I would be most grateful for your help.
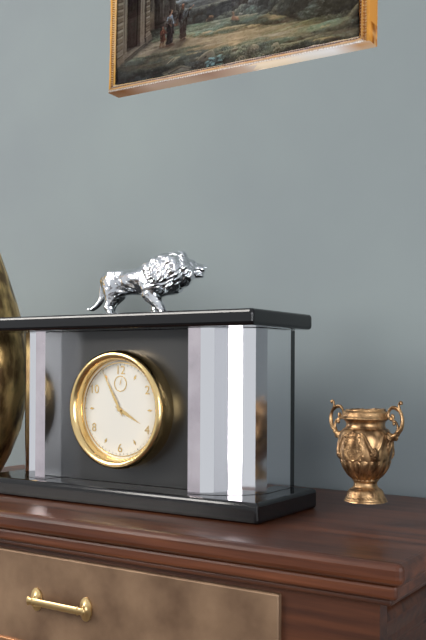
3:55
